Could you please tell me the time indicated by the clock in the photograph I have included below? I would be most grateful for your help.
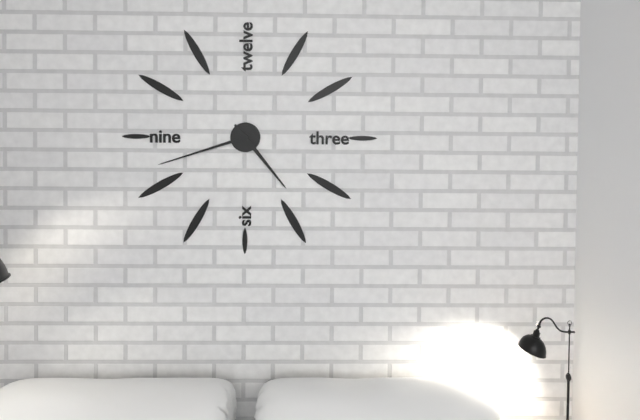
4:42
